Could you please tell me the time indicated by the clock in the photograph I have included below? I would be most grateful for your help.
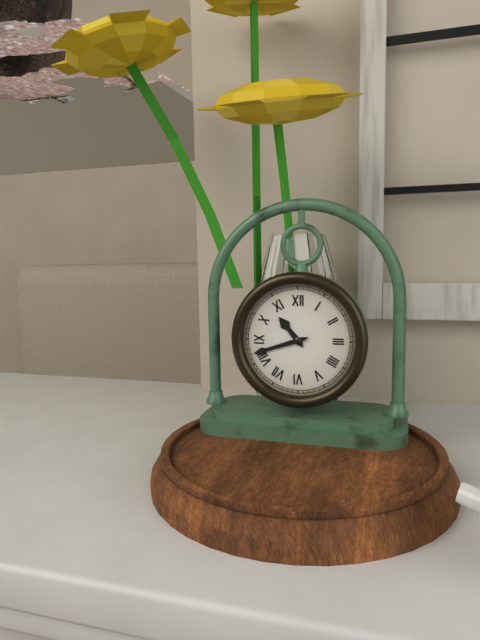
10:42
